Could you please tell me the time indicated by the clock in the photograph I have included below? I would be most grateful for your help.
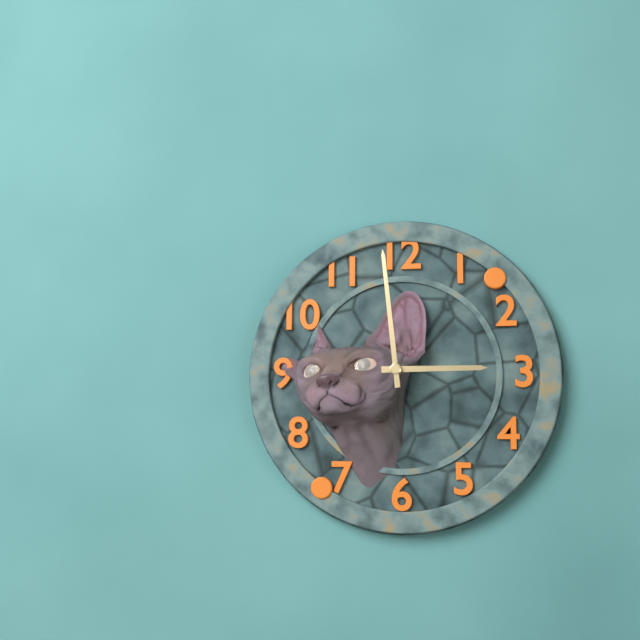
2:59
